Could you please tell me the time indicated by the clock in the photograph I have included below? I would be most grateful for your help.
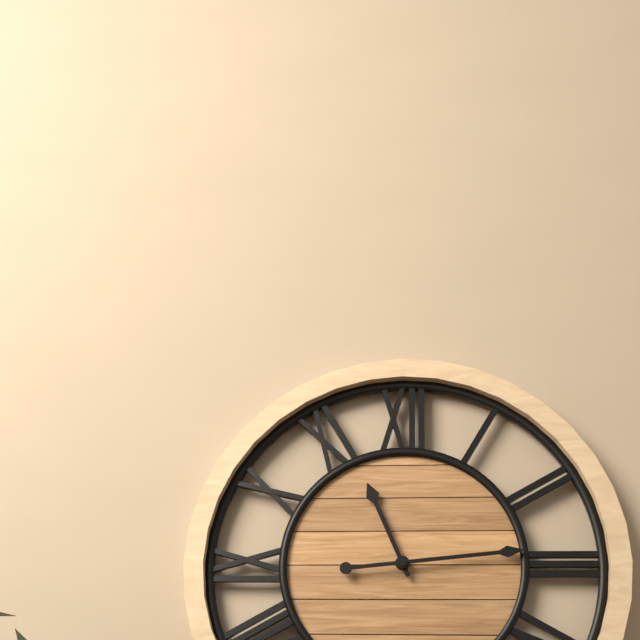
11:14
